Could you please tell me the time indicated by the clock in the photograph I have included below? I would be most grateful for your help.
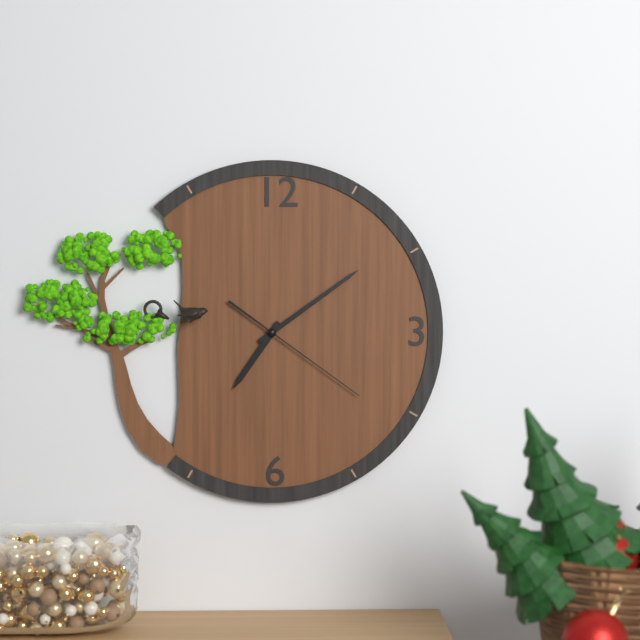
7:09:21
